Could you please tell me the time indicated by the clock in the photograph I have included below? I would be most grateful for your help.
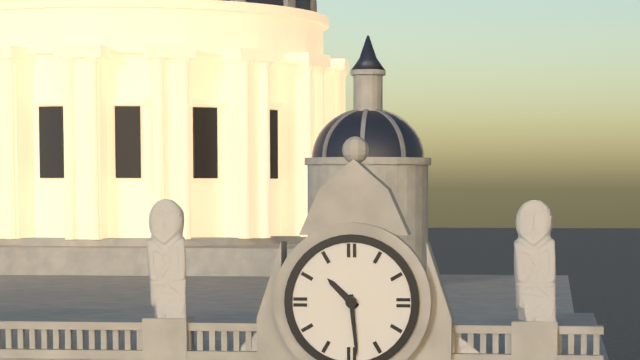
10:29
